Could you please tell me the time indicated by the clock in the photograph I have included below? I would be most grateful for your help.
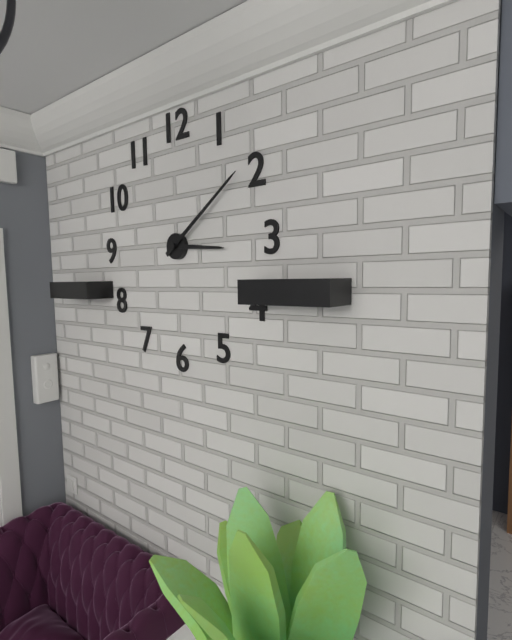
3:09
